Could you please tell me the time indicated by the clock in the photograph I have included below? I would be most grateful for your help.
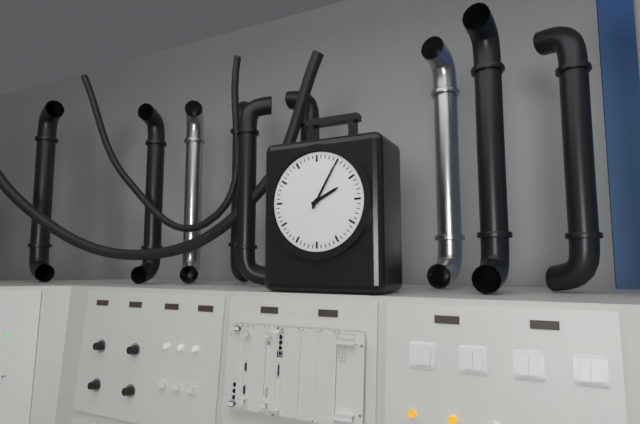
2:05
